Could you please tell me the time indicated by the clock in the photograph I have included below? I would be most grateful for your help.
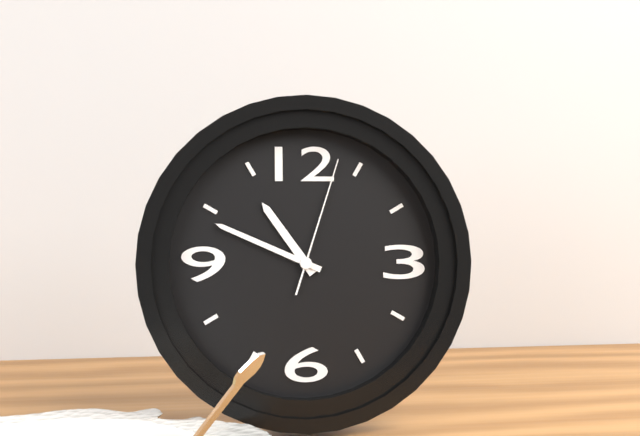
10:49:03
